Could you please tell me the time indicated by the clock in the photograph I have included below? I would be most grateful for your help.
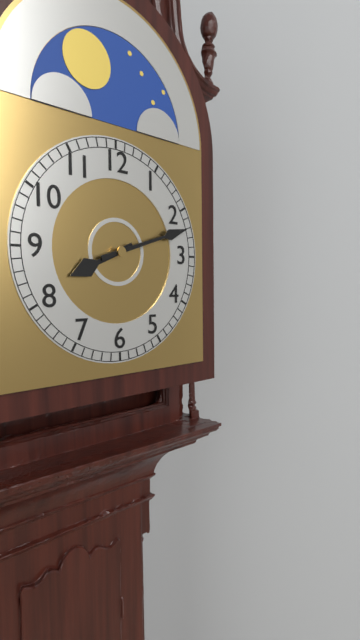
8:12
